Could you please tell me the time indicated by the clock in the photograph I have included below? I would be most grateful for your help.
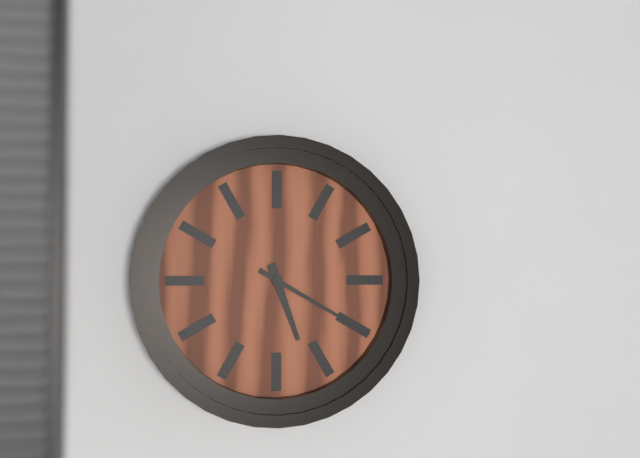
5:20
